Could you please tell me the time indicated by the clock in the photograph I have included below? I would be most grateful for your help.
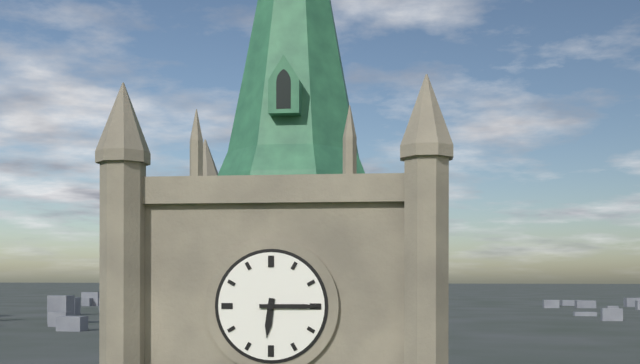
6:15
